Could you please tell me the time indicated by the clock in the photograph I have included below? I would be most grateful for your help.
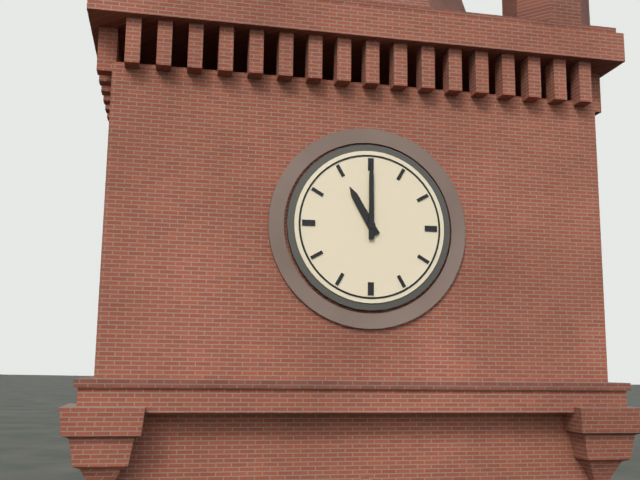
11:00
